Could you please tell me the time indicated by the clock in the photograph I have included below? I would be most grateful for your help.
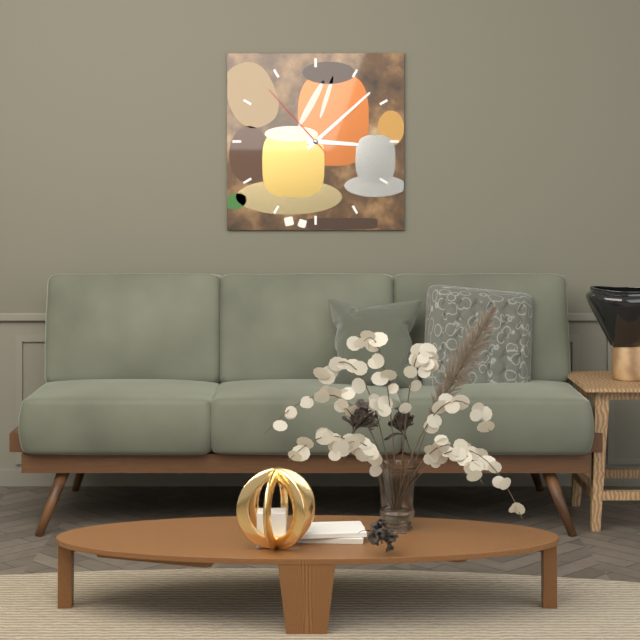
3:08:53
